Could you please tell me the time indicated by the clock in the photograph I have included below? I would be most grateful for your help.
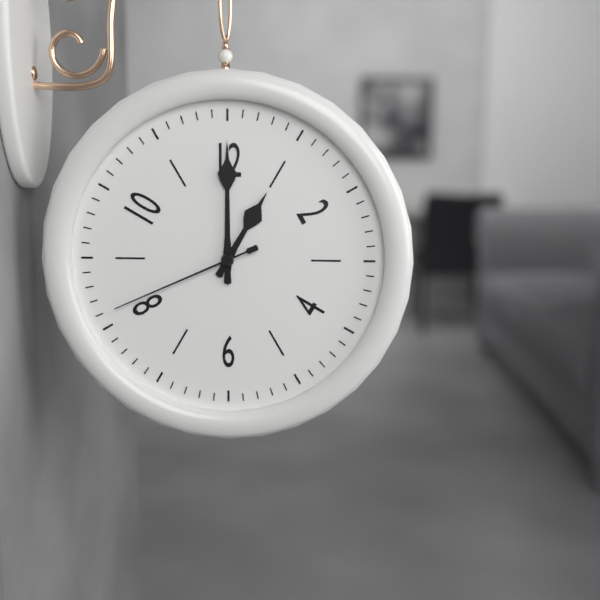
1:00:41
